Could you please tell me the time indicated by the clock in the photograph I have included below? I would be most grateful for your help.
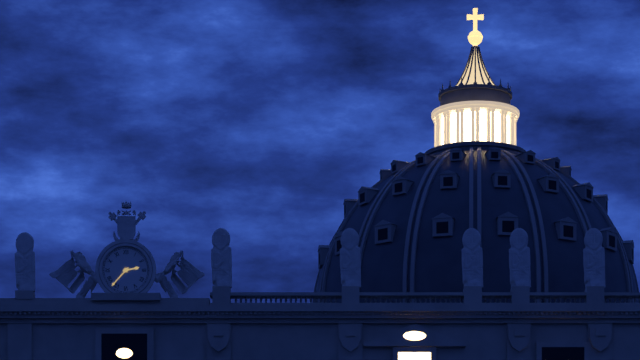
2:37
